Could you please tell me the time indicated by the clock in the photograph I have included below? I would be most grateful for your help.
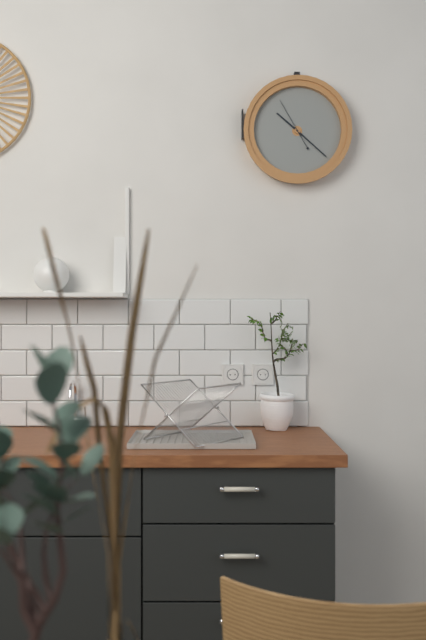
10:22
